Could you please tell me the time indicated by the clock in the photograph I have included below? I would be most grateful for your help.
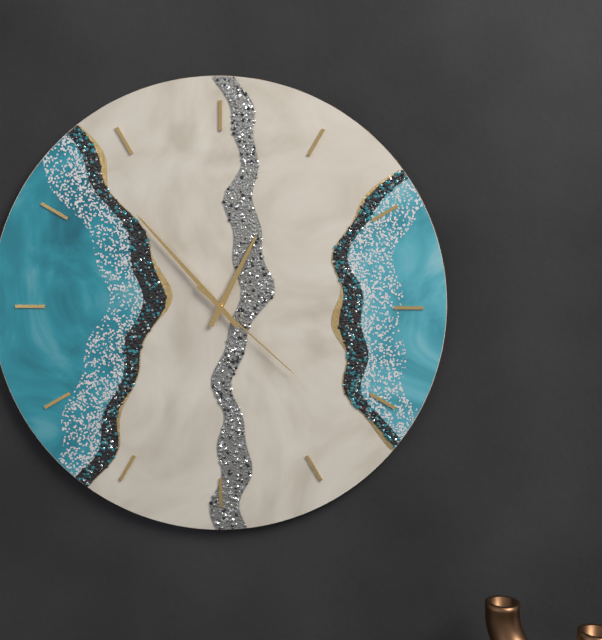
12:53:22
